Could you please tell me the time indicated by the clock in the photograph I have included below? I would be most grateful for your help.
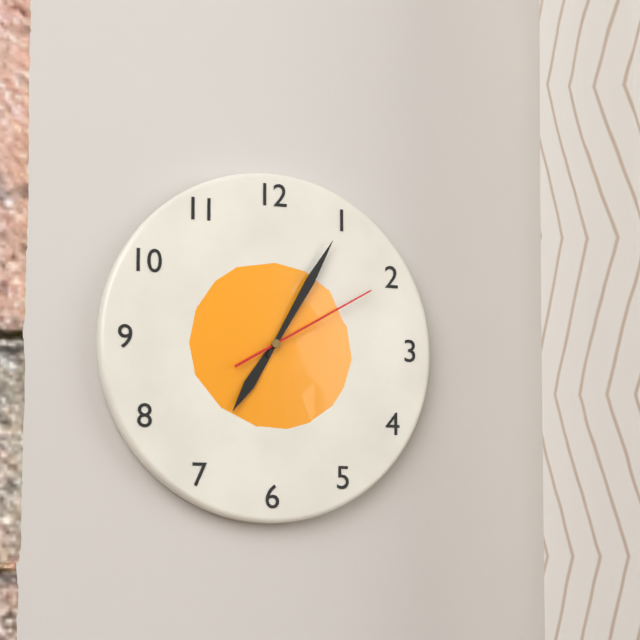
7:05:10
